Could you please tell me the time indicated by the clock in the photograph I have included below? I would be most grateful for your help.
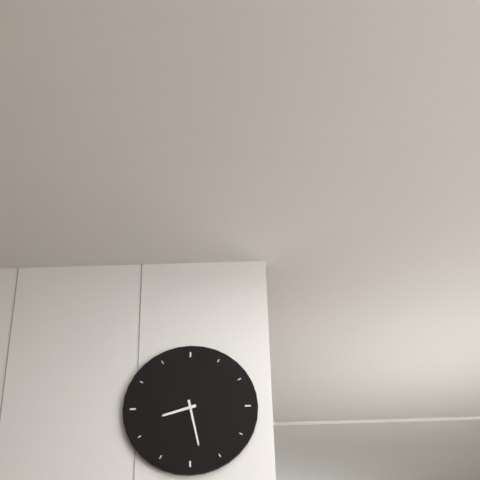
8:28
